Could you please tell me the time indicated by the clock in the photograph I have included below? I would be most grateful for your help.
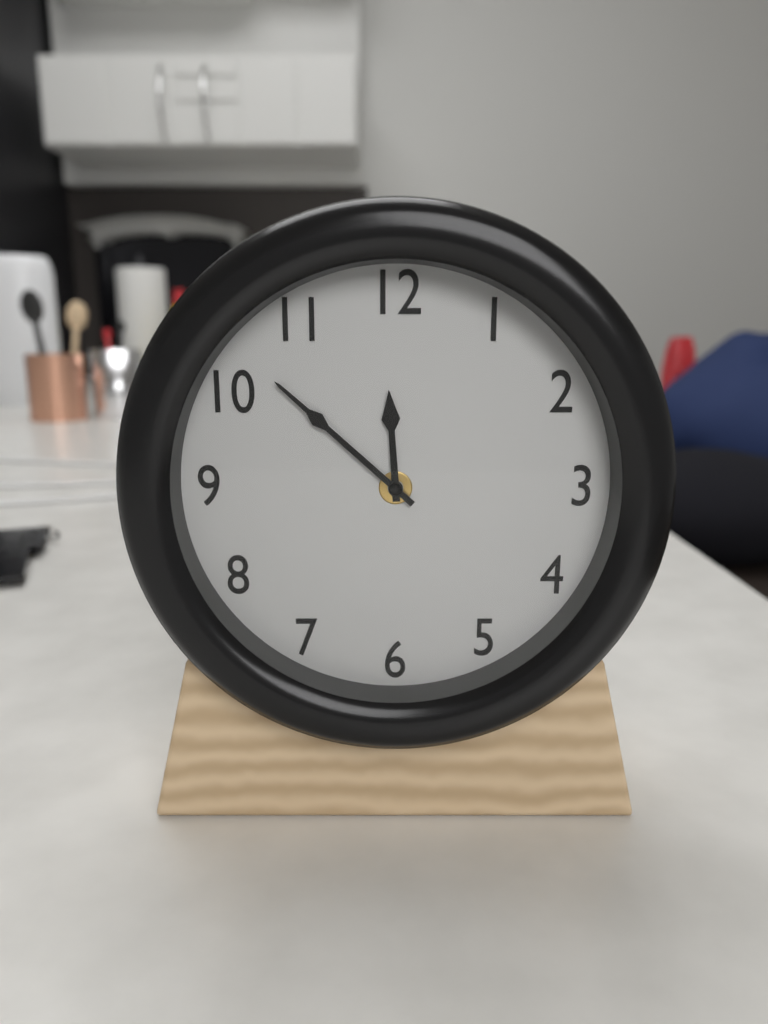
11:52
